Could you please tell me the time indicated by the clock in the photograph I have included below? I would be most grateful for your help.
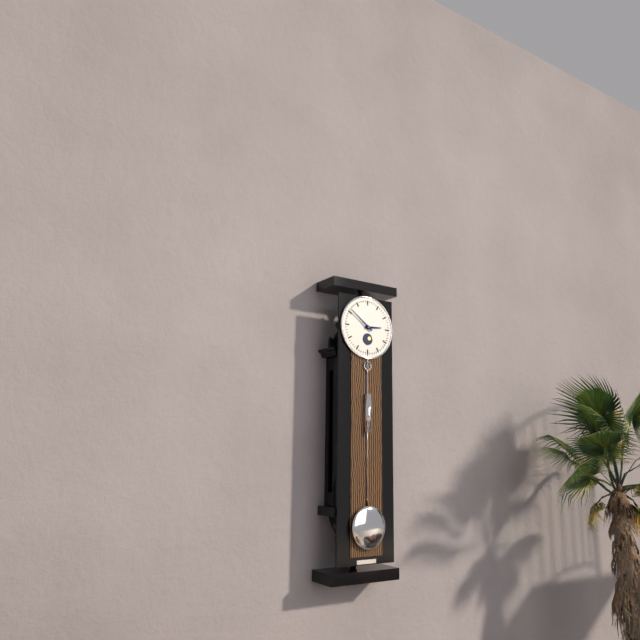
2:51
